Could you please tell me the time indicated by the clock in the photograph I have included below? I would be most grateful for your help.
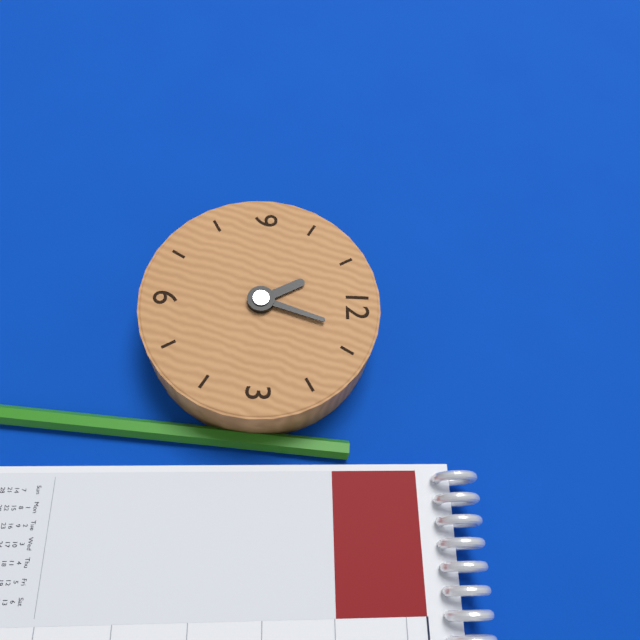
11:03
